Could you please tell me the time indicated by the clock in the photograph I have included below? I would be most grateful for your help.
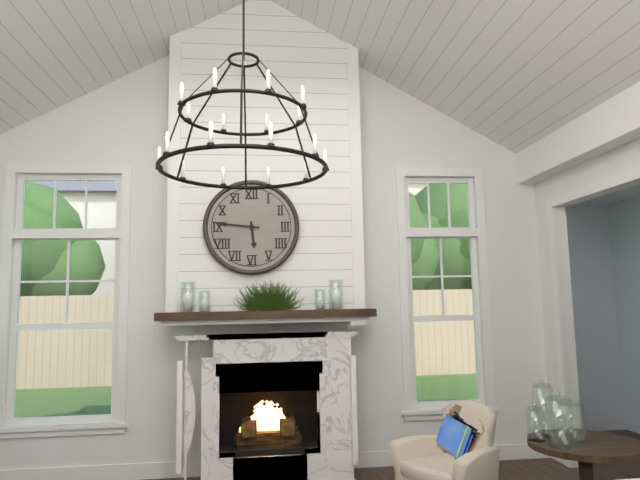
5:46
